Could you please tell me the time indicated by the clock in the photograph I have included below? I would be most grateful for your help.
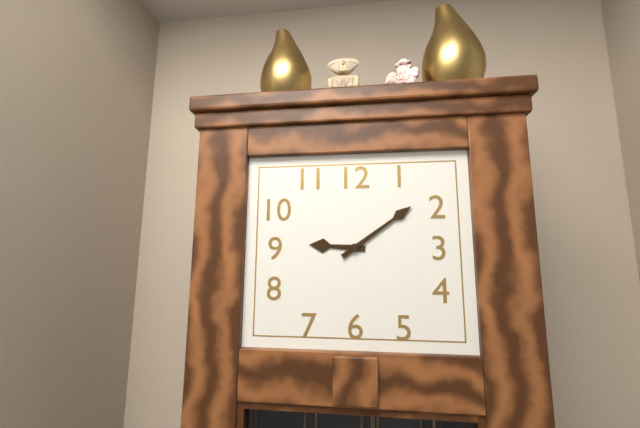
9:09
